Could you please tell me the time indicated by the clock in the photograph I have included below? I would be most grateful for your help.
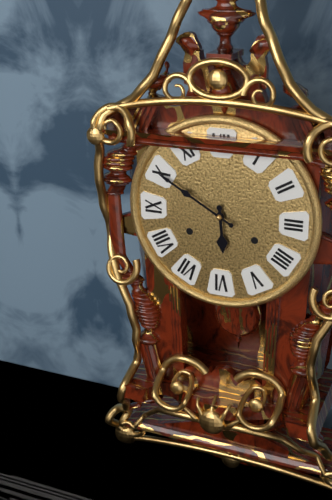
5:50
